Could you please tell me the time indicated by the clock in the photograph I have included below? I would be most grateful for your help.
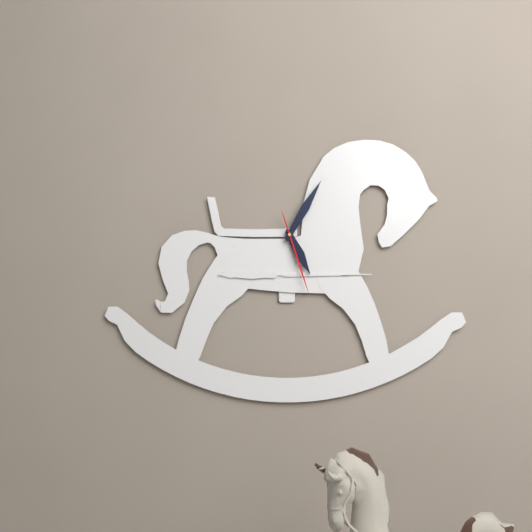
5:05:27
